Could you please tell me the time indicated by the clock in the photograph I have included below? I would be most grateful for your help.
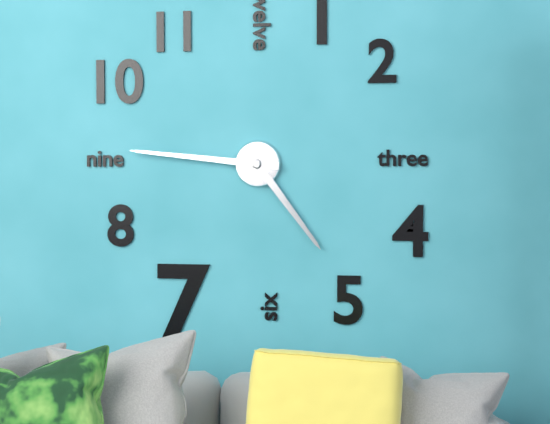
4:46
